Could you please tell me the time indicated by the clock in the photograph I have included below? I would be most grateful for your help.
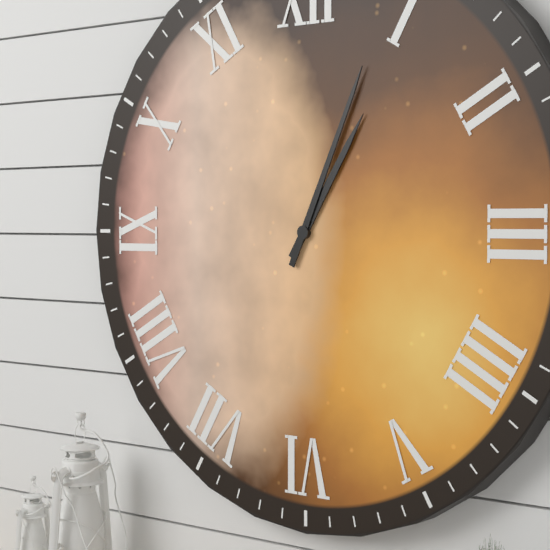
1:04
